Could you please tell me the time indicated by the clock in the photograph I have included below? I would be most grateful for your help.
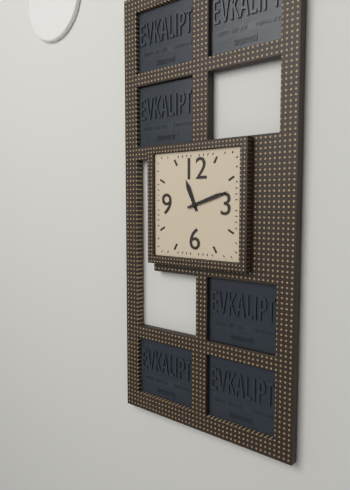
11:12
